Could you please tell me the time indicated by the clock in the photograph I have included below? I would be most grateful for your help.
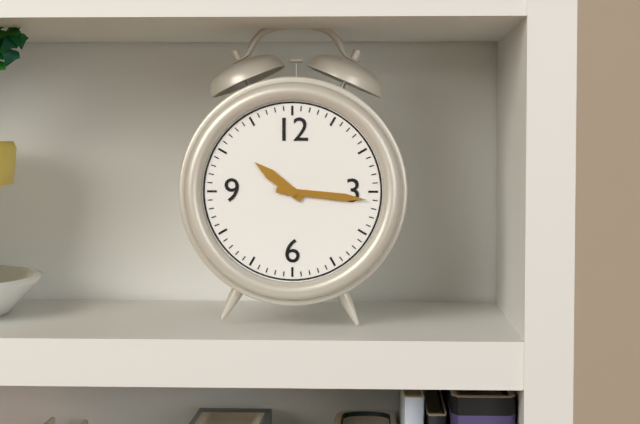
10:16
